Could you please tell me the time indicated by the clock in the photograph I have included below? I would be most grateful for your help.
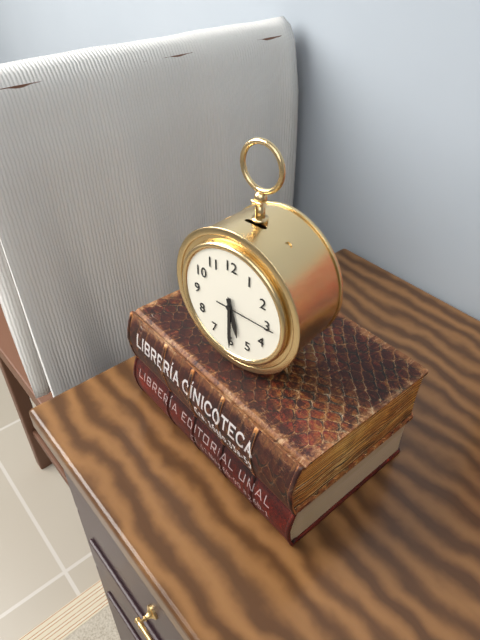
5:30:15
